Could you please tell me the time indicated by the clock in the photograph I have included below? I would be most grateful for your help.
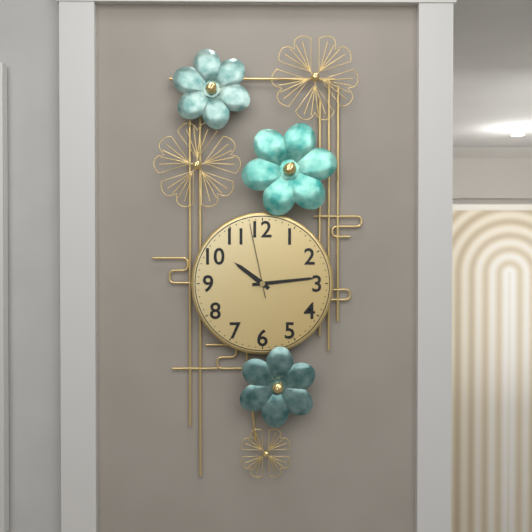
10:14:58
